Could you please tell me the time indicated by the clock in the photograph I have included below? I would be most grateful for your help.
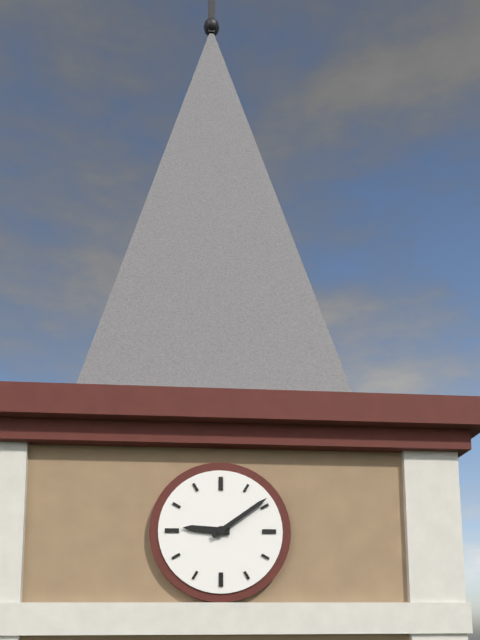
9:09
